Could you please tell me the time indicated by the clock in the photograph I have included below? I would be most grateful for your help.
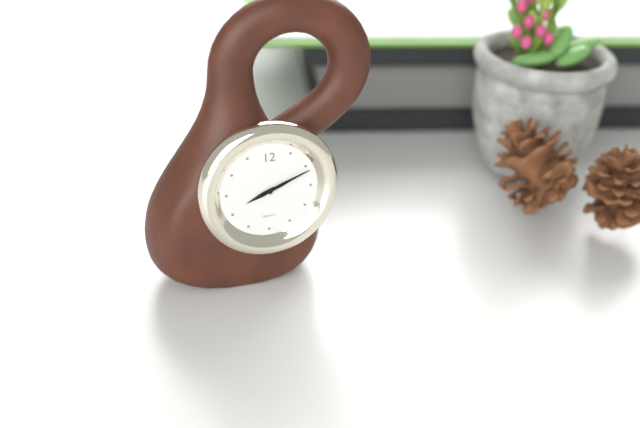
8:11:11
